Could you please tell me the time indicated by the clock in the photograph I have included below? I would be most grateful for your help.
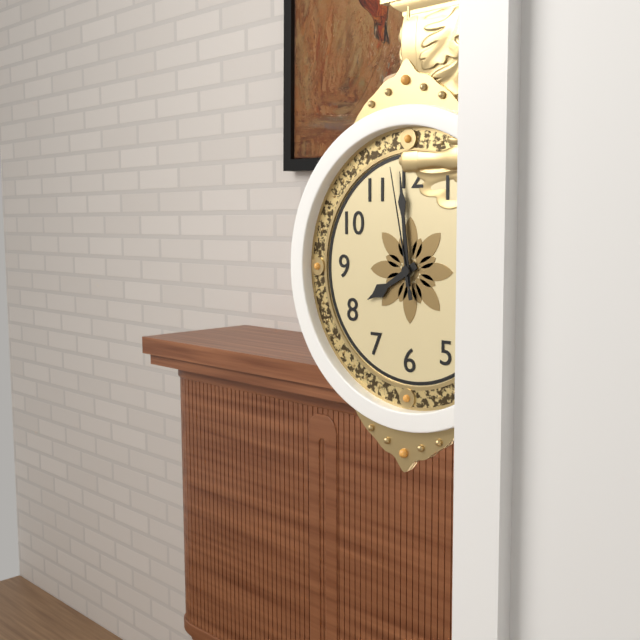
7:59:58
